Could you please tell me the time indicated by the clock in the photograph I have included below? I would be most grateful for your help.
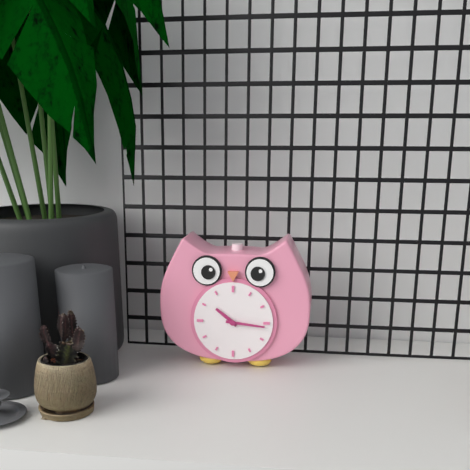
10:16
